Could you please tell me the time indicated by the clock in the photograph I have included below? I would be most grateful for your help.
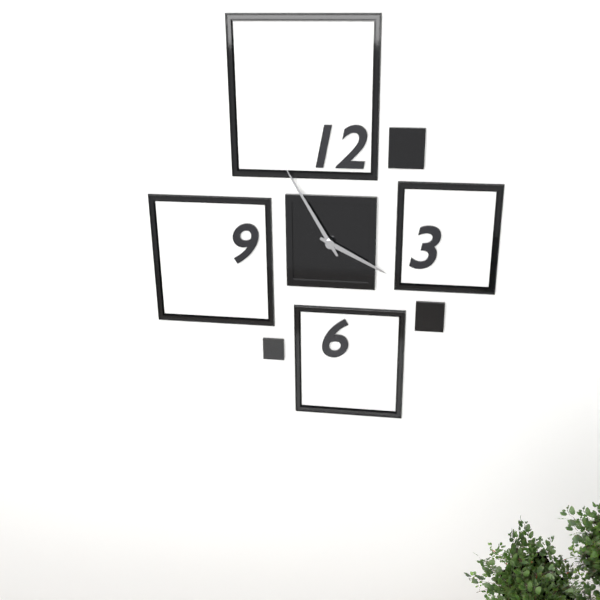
3:55
